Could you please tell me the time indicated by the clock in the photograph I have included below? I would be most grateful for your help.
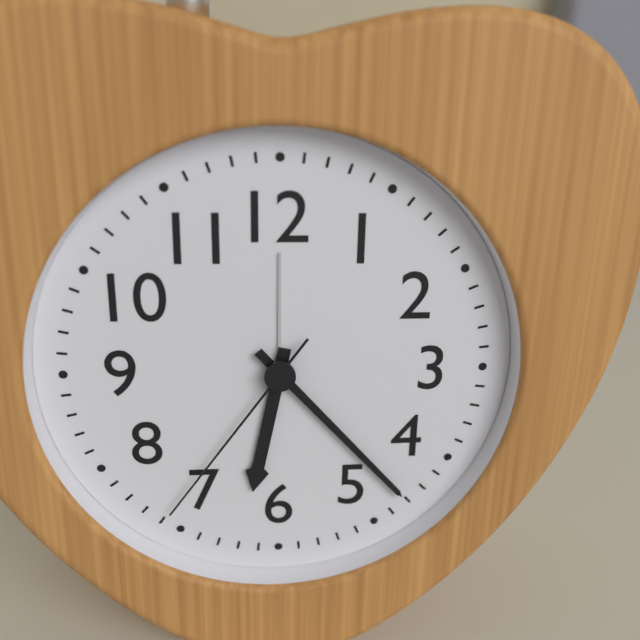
6:23:36
